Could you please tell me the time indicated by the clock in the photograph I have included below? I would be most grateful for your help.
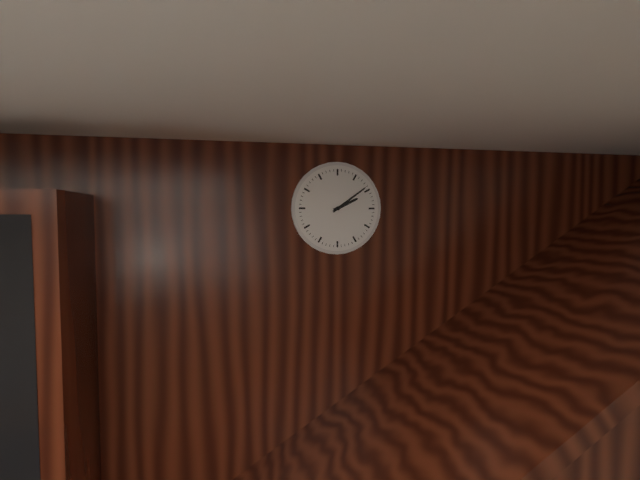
2:09
